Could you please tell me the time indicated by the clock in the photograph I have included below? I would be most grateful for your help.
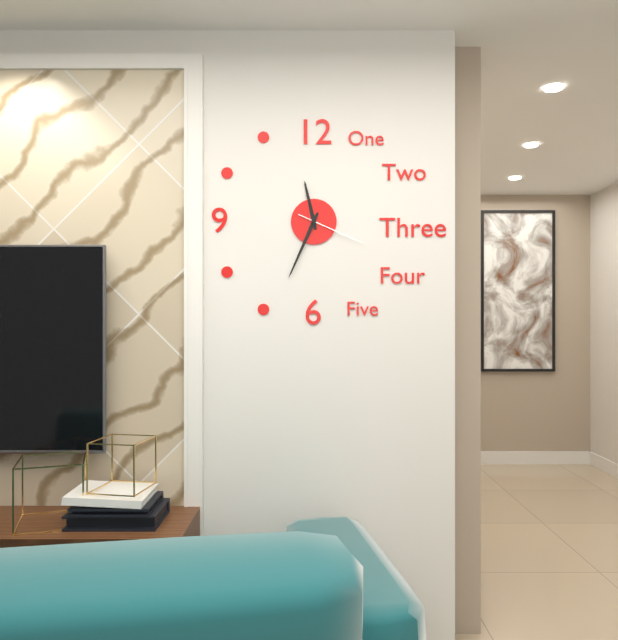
11:34:19
